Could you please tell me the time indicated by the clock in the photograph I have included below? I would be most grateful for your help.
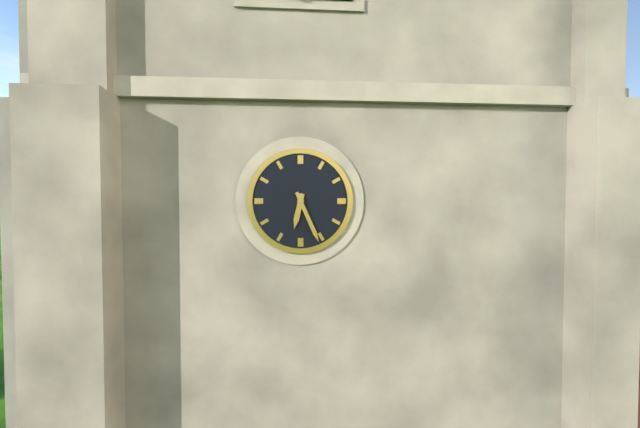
6:26
